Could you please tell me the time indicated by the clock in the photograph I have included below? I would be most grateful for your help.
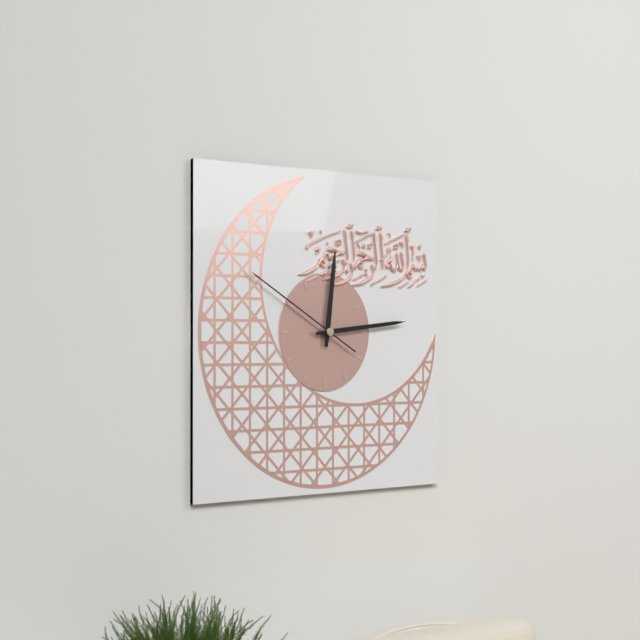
12:14:50
